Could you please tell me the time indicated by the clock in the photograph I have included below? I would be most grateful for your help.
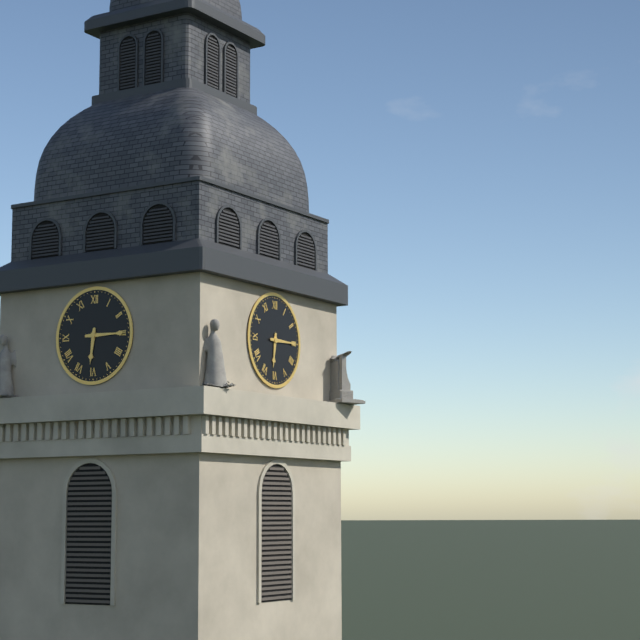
6:15
